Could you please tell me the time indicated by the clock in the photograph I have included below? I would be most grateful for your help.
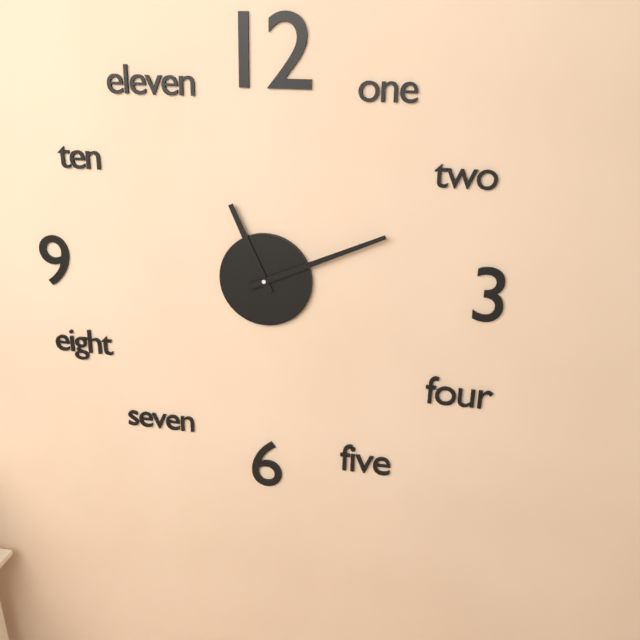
11:11
